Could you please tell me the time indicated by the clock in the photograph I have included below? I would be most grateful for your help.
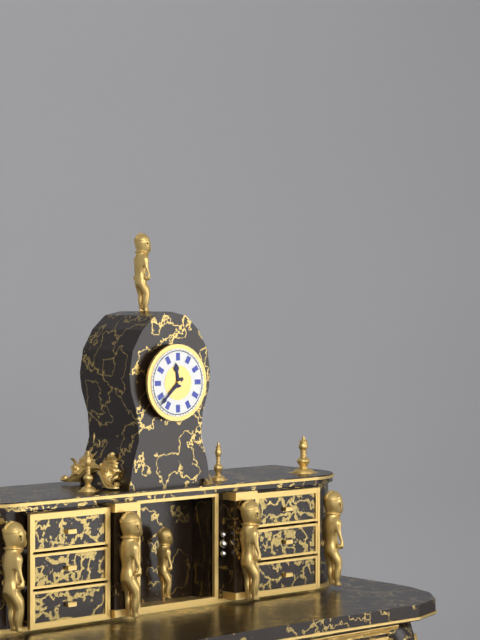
11:38
